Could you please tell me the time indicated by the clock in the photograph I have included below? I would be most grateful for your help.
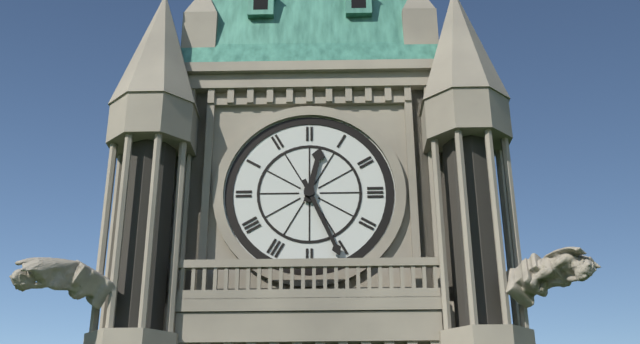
12:26
